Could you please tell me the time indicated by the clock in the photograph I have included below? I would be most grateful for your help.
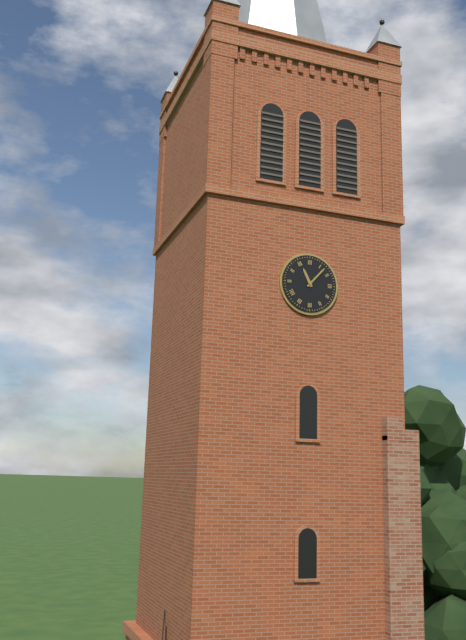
11:07
